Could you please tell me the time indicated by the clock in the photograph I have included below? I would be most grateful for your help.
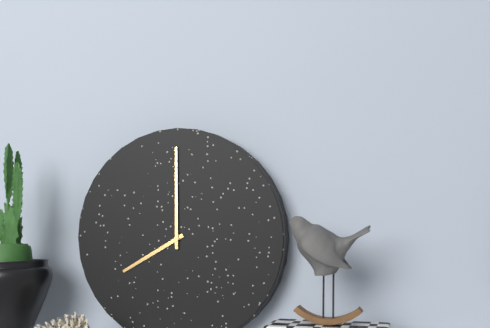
8:00
